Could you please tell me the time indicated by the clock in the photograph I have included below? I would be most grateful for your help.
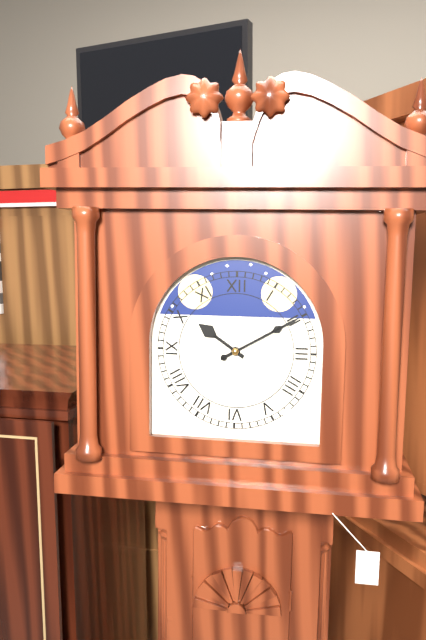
10:10
